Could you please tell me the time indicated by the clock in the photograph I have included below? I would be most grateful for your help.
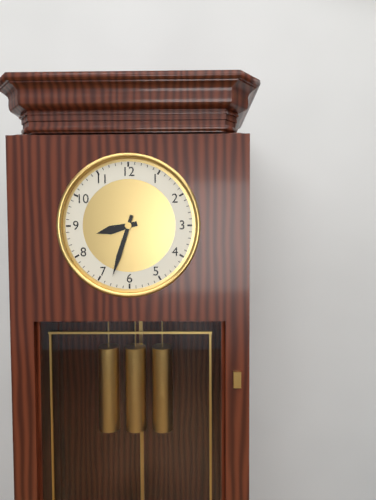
8:33
